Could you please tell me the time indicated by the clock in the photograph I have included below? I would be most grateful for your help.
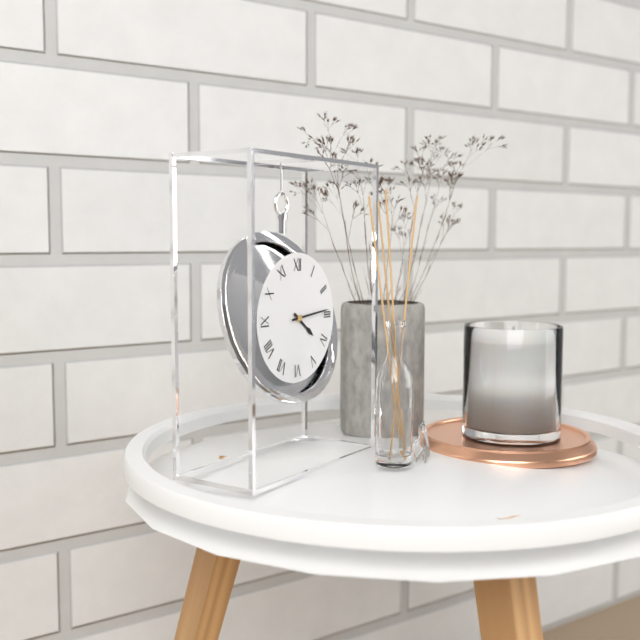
4:14
